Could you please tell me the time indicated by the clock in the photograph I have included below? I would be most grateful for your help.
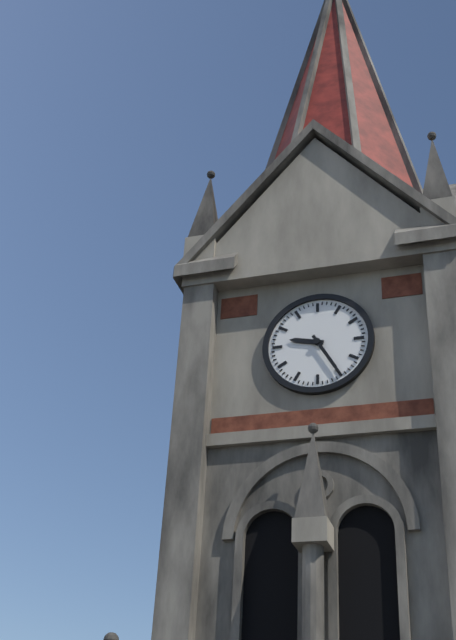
9:25
